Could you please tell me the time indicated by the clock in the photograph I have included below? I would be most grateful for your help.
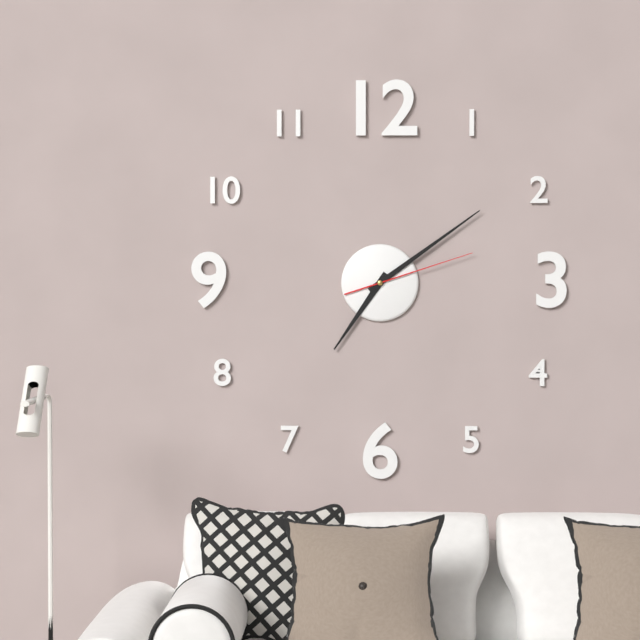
7:09:12
